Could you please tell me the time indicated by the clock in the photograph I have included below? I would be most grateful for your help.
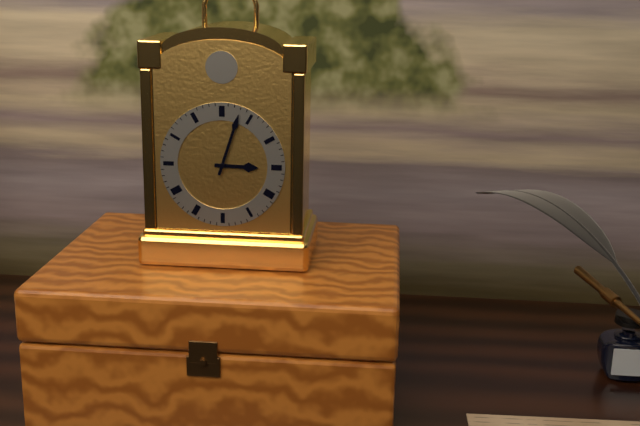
3:03
